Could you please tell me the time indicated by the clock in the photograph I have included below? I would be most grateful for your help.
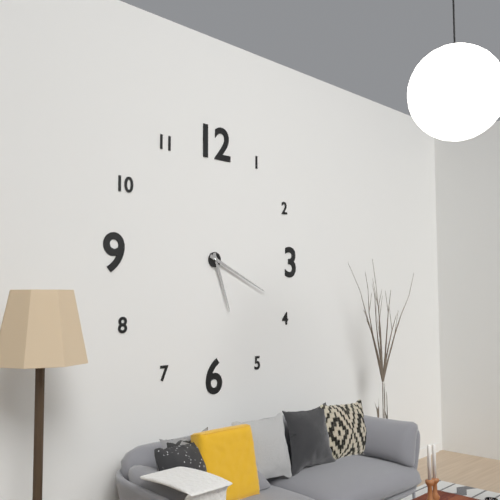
5:19
